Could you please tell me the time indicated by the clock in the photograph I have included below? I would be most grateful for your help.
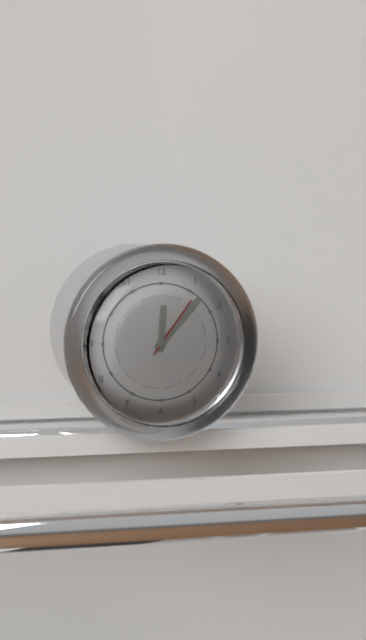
12:07:06
